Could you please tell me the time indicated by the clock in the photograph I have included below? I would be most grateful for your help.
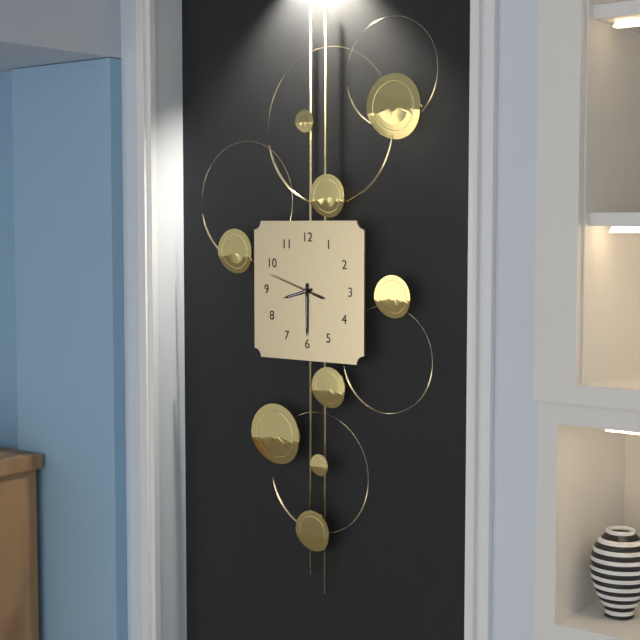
8:30
